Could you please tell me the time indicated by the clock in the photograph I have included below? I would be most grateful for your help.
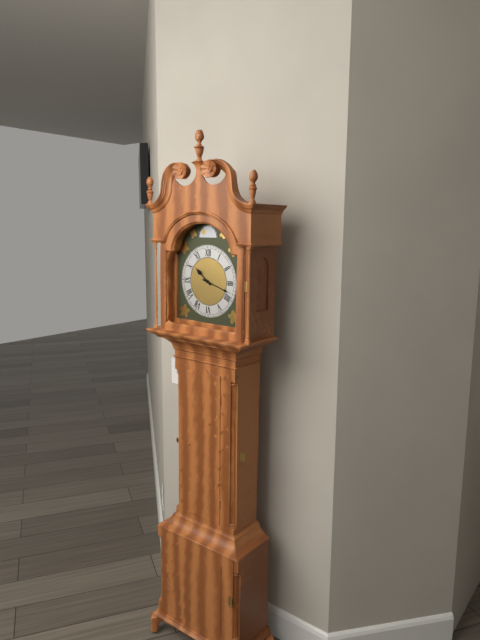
10:18
